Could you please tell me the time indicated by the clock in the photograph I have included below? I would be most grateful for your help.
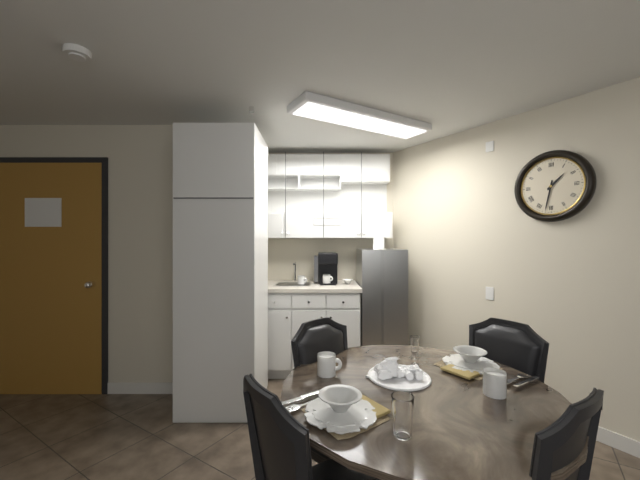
1:32
